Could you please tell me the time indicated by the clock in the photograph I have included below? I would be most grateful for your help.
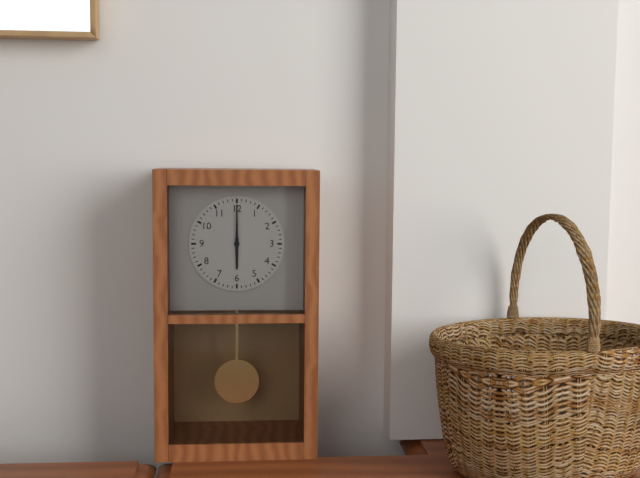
6:00
